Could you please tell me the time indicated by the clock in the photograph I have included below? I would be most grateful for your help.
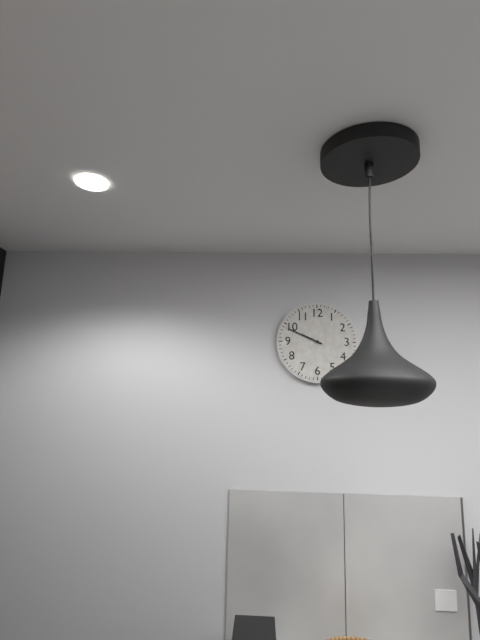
9:49
